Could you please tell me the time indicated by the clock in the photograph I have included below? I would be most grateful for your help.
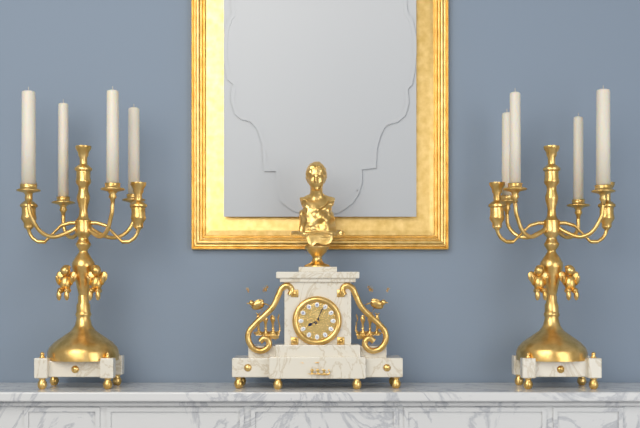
8:04
